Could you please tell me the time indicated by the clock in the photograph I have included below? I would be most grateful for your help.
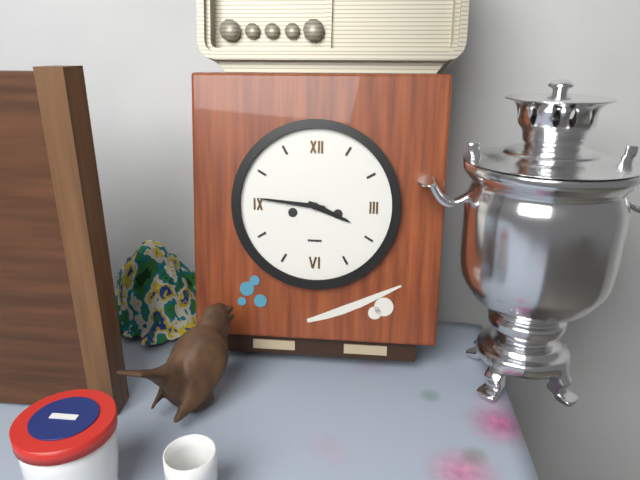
3:46
